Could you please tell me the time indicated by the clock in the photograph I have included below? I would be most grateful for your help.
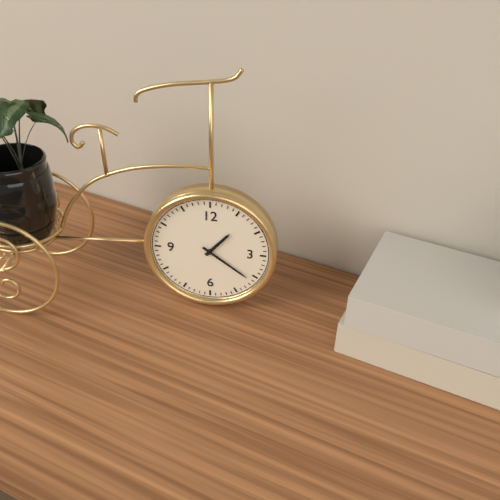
1:21
